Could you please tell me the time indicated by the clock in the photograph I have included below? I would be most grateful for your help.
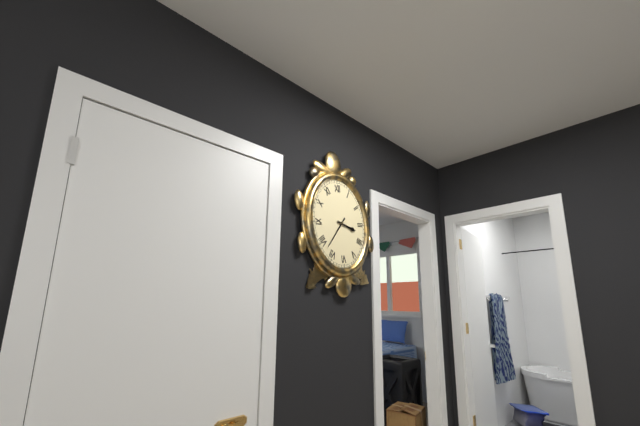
3:37
